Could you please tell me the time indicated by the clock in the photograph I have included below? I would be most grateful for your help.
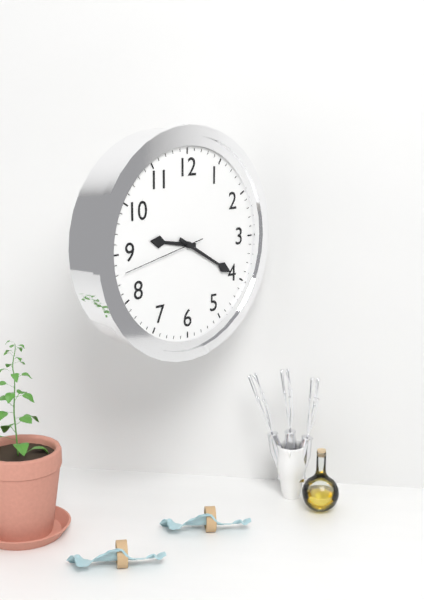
9:20:43
